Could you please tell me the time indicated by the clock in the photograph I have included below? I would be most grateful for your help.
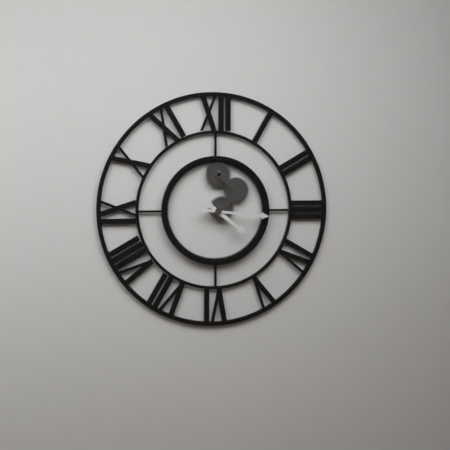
4:16
